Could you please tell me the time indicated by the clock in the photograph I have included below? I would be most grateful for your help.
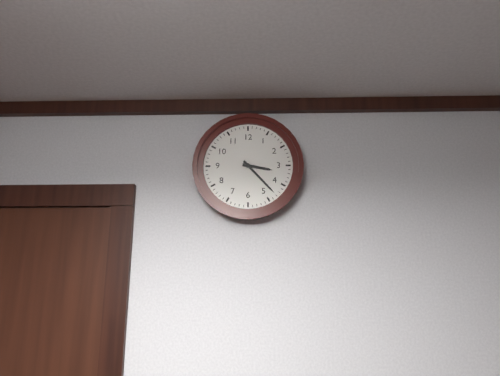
3:23
